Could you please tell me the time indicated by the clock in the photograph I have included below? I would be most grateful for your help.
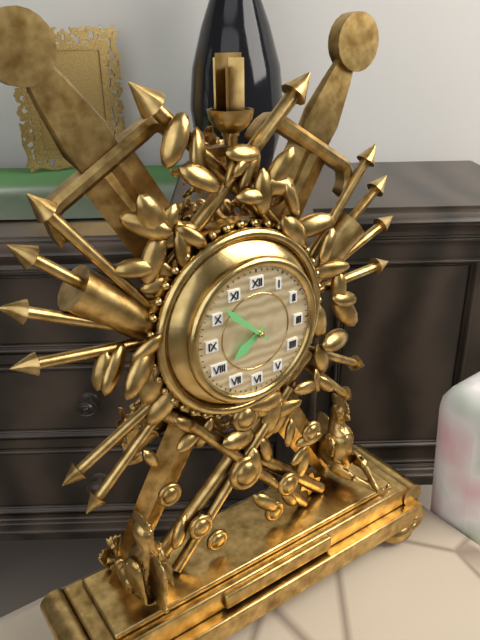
7:52
